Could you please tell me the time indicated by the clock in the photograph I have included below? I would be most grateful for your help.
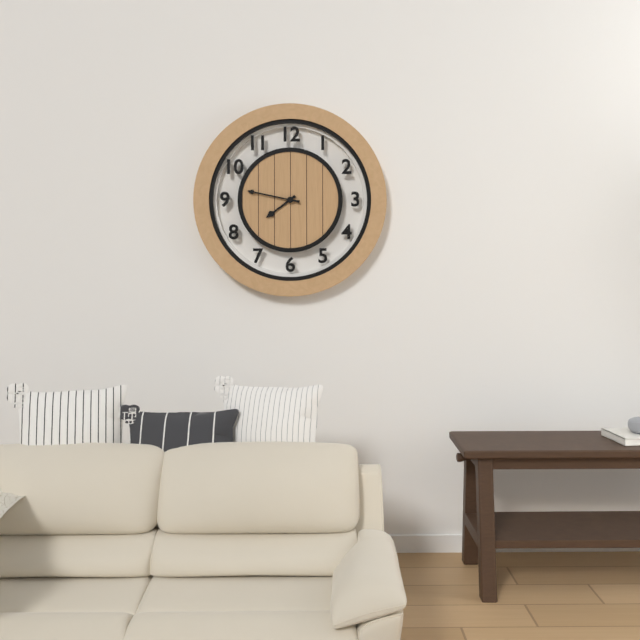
7:47
